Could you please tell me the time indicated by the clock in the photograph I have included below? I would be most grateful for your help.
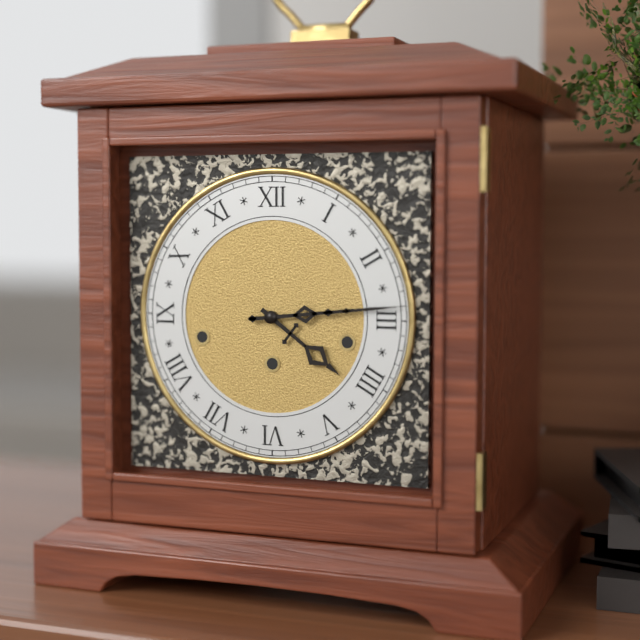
4:14
